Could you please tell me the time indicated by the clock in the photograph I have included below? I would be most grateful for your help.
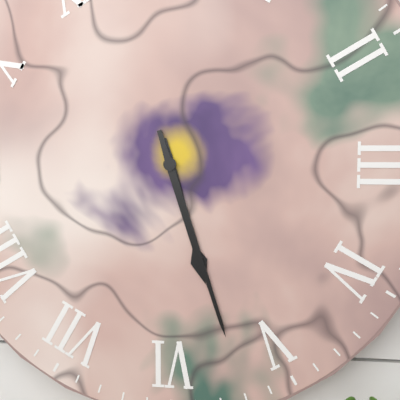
5:27
